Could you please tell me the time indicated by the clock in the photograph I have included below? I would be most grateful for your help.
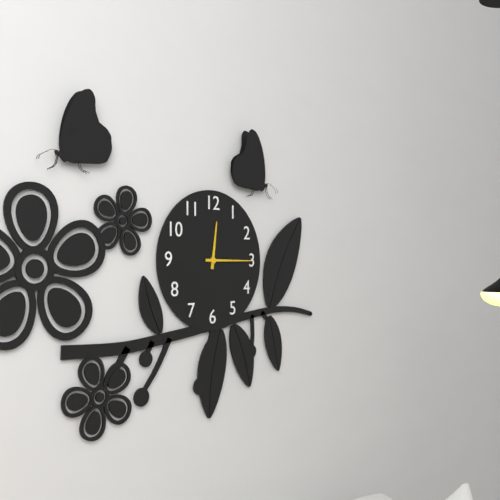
12:15
